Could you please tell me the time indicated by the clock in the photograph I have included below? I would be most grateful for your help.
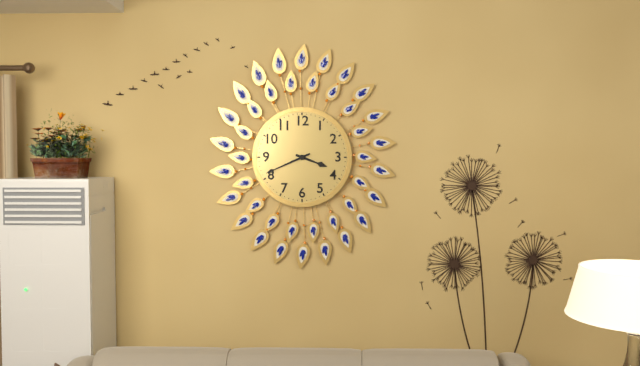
3:41
